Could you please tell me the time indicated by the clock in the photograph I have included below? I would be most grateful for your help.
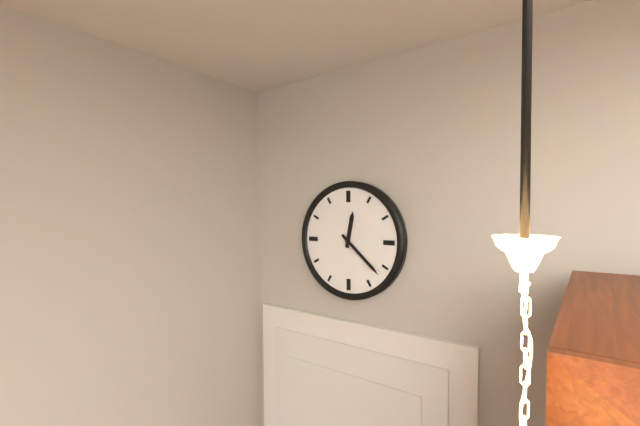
12:22
